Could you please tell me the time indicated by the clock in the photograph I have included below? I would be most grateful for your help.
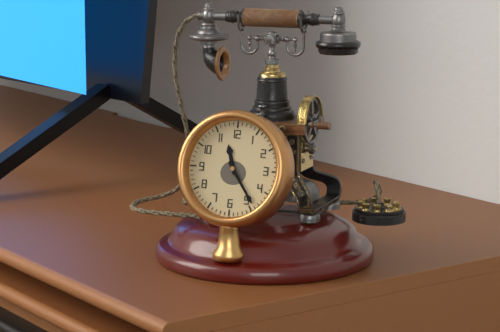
11:24
